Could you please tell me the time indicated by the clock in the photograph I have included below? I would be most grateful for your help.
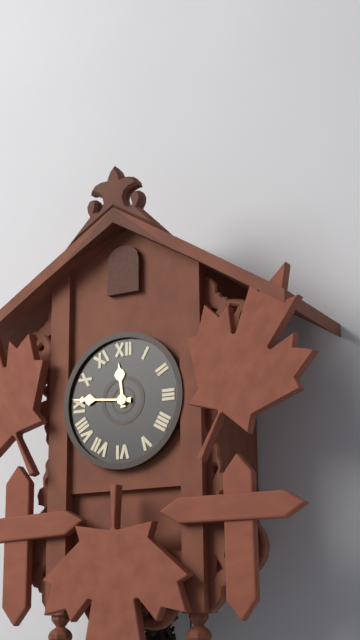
11:46
